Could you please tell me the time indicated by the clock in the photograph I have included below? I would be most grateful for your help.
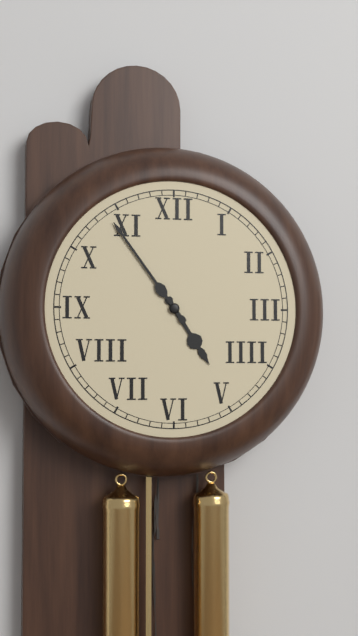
4:54
